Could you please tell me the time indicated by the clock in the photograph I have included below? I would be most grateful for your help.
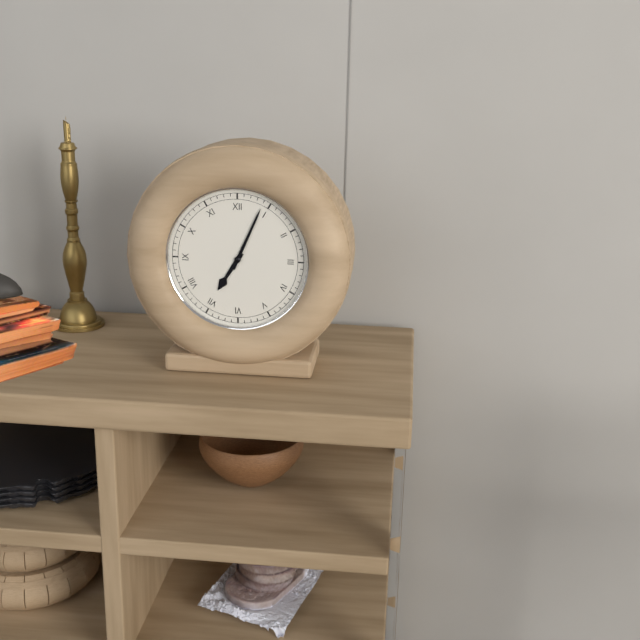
7:04
